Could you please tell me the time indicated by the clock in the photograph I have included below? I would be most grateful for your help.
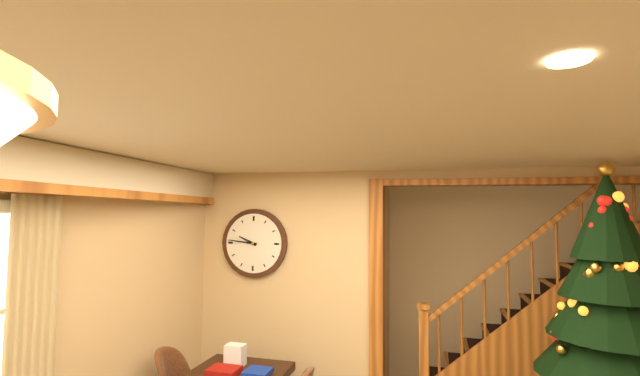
9:46
